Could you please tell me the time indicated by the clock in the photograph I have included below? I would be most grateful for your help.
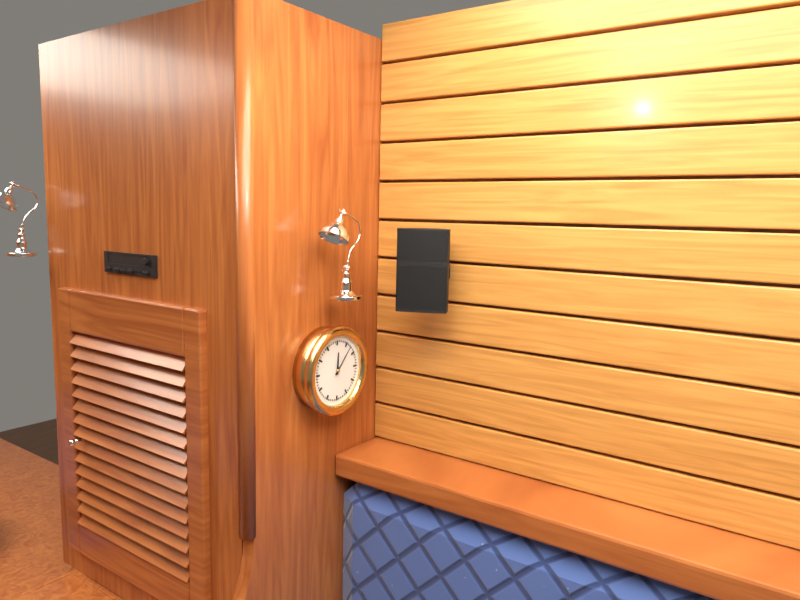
12:07
